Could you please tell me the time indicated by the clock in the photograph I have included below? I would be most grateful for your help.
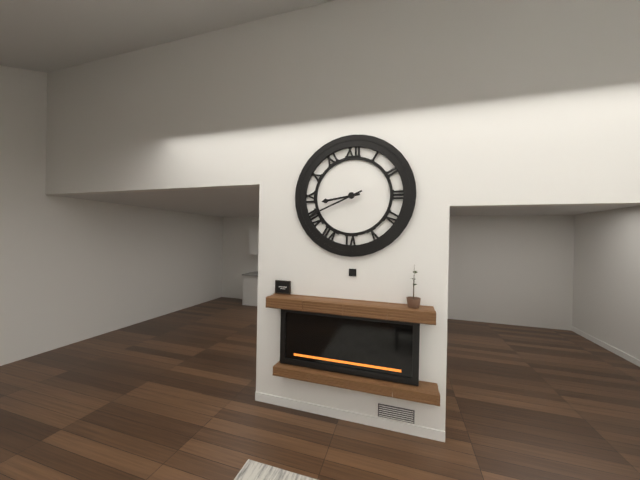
8:41
